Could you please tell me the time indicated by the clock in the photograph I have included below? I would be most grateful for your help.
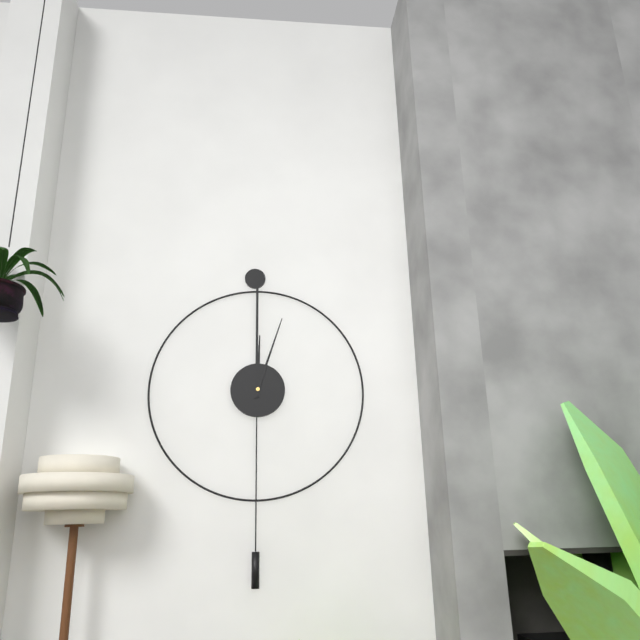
12:03
